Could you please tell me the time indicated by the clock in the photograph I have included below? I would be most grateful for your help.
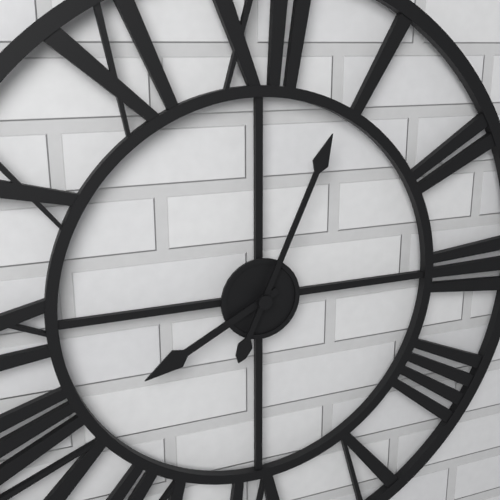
8:04
